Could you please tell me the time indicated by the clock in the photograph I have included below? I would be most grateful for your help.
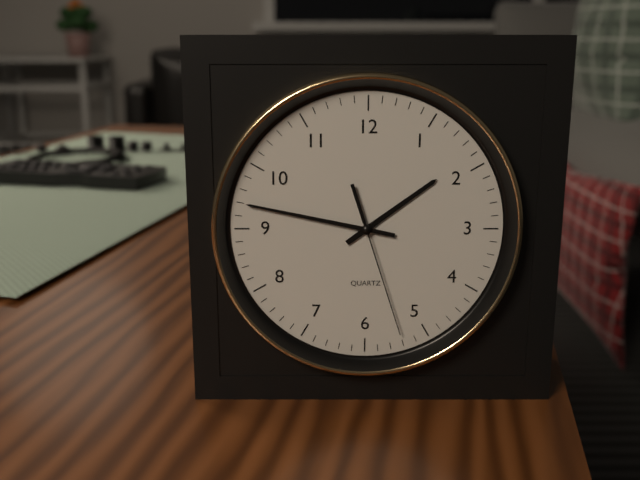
1:47:27
